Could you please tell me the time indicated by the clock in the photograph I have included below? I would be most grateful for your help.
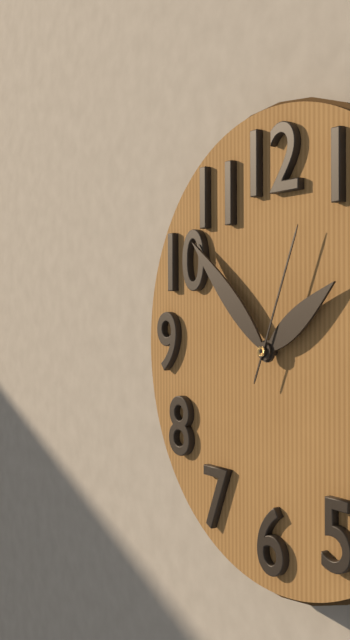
1:52:04
